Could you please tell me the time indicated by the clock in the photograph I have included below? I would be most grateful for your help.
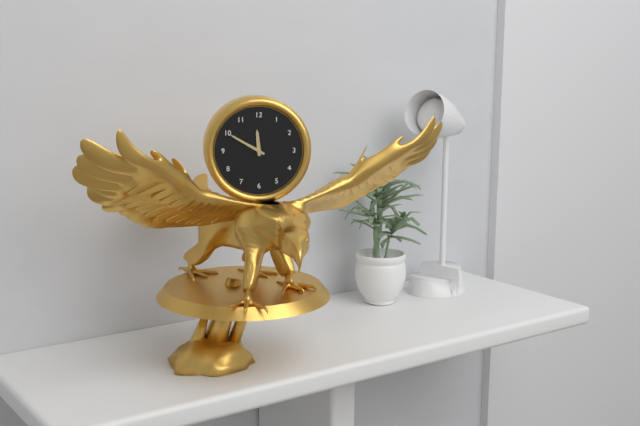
11:50
